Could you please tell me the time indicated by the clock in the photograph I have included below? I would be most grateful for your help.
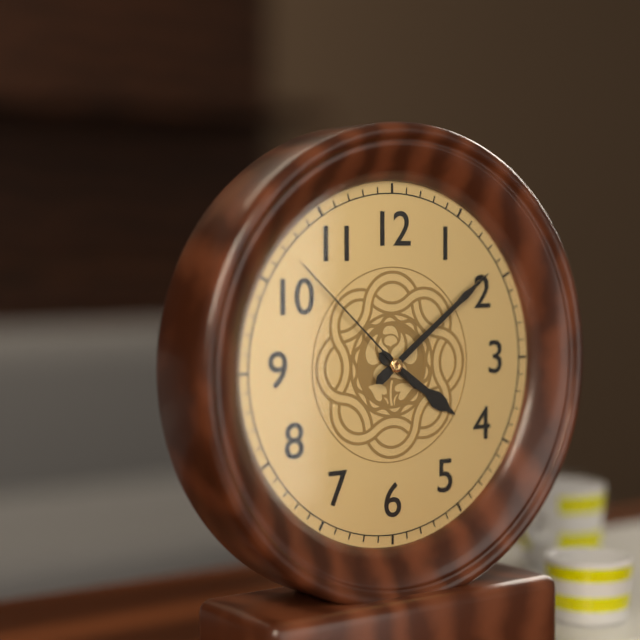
4:09:52
